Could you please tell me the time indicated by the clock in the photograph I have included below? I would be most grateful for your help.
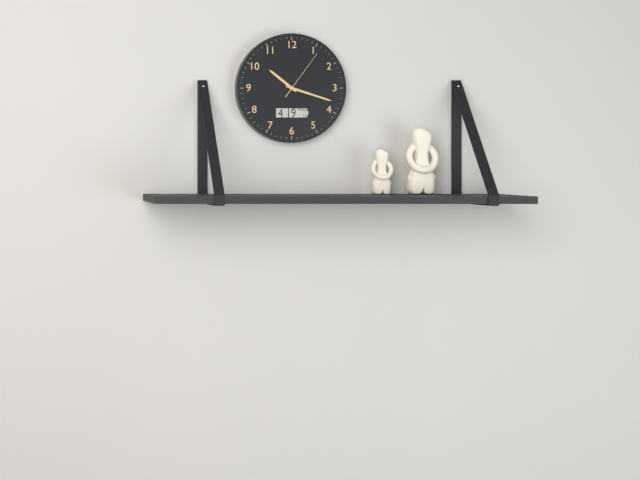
10:18:06
